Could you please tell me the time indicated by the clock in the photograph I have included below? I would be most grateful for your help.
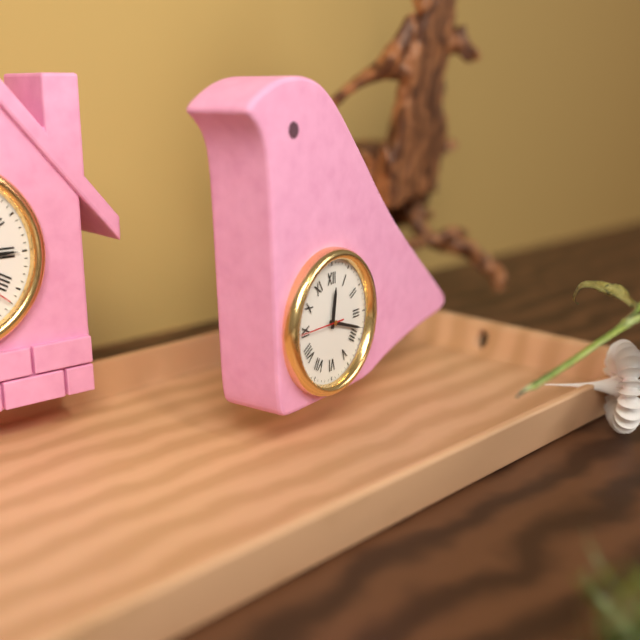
12:18
